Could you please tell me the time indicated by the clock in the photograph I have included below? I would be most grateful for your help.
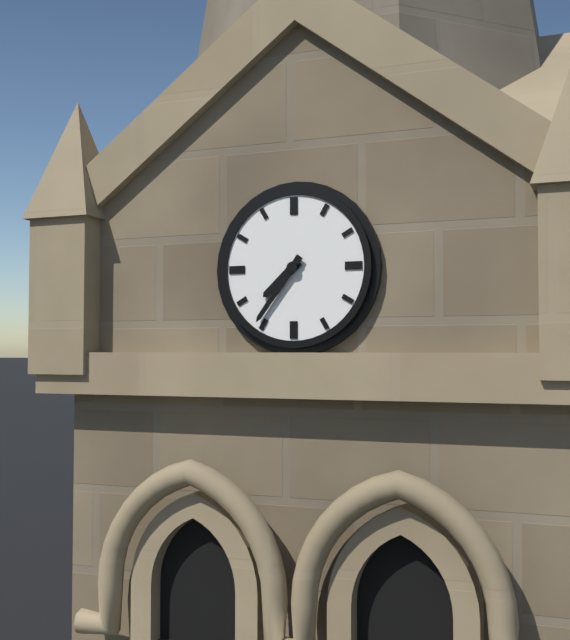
7:36
